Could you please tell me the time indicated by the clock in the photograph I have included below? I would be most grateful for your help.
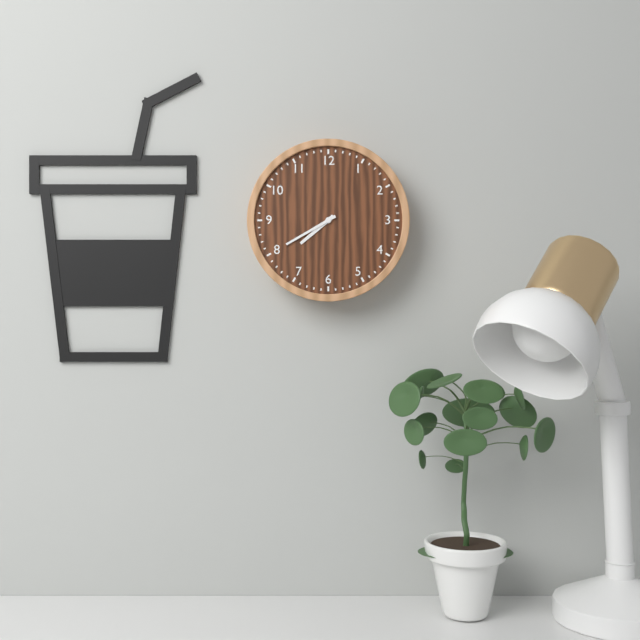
7:40
